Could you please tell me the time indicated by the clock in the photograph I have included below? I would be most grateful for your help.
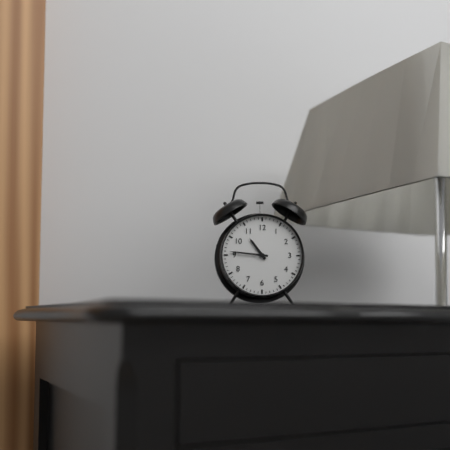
10:46
